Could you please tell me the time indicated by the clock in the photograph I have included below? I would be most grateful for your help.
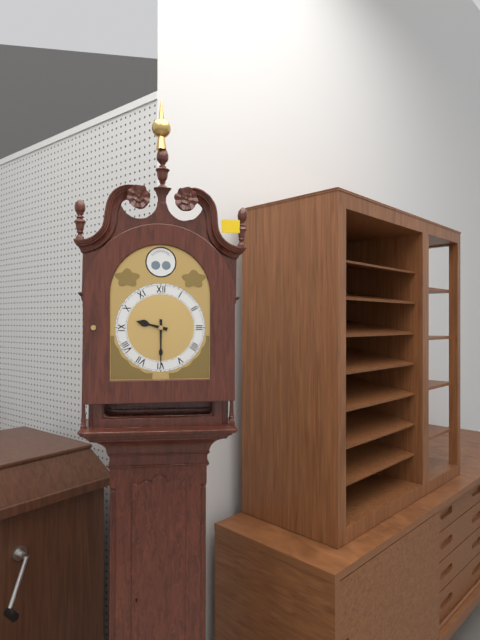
9:30
